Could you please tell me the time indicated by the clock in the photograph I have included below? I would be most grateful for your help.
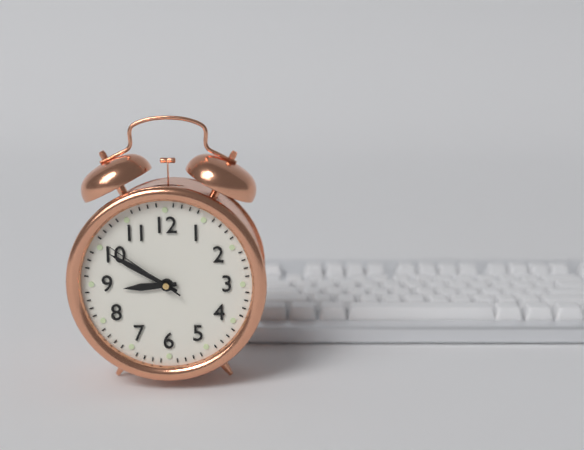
8:50:51
